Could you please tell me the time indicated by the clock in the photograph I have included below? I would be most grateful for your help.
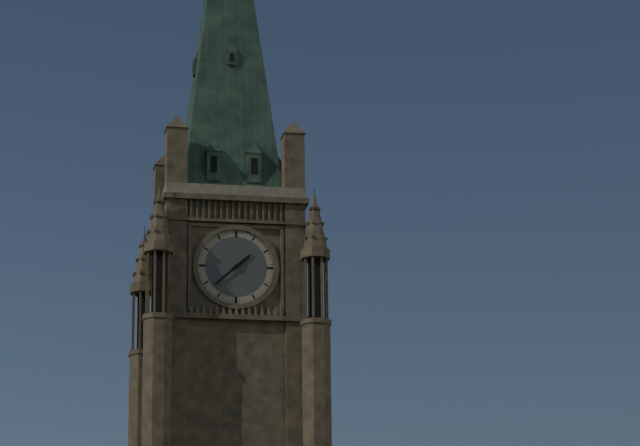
1:38
